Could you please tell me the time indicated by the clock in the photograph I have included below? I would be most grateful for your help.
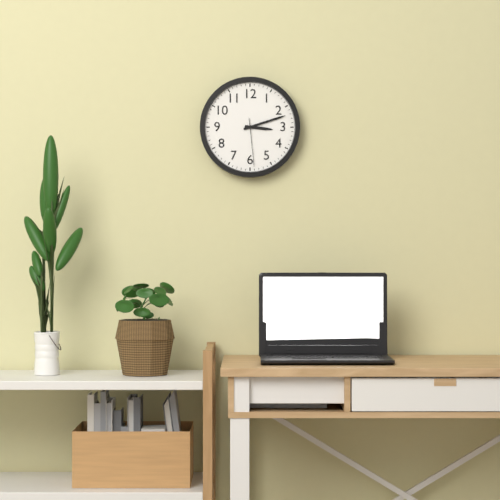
3:12
